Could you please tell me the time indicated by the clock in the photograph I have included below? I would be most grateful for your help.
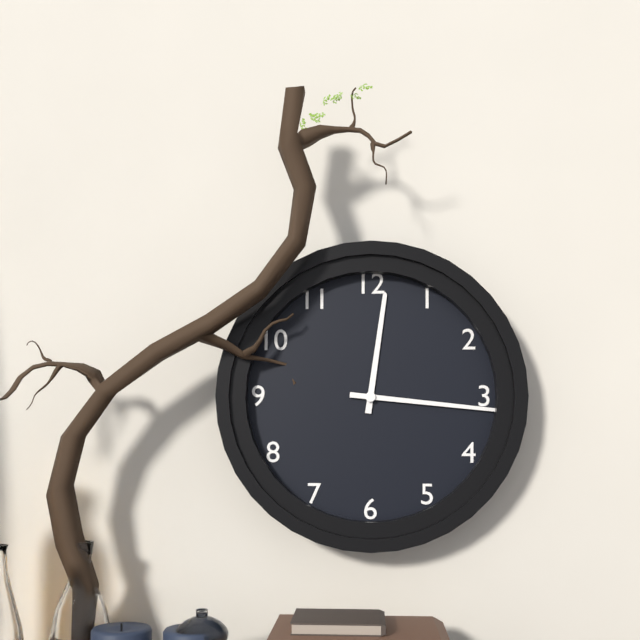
12:16
